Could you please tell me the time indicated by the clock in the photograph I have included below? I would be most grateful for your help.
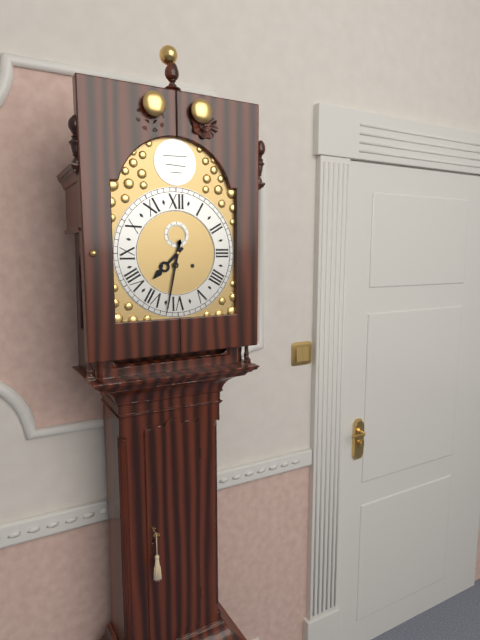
7:32
